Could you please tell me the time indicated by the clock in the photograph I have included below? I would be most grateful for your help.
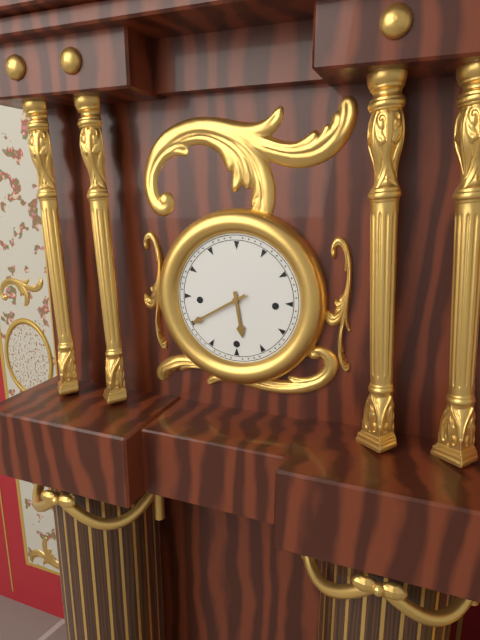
5:40
